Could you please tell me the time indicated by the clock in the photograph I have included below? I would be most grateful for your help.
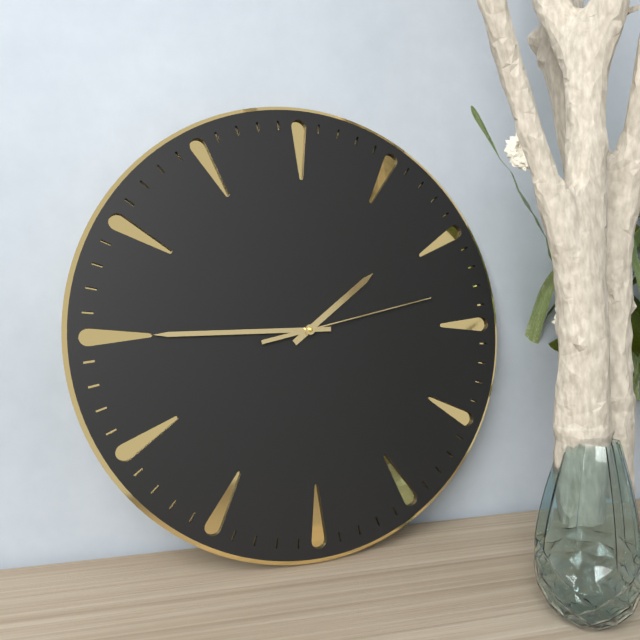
1:45:13
